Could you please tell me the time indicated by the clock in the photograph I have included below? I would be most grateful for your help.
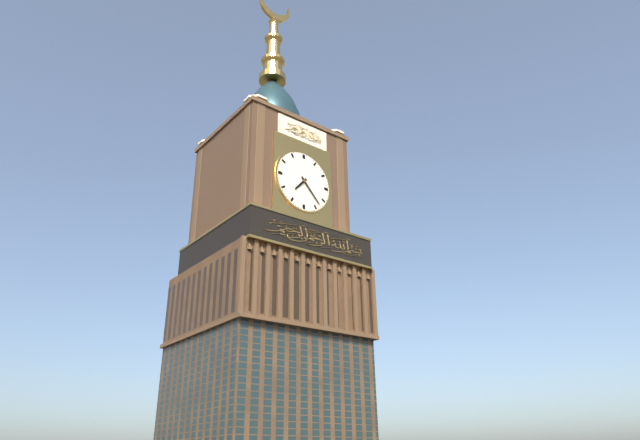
7:23
